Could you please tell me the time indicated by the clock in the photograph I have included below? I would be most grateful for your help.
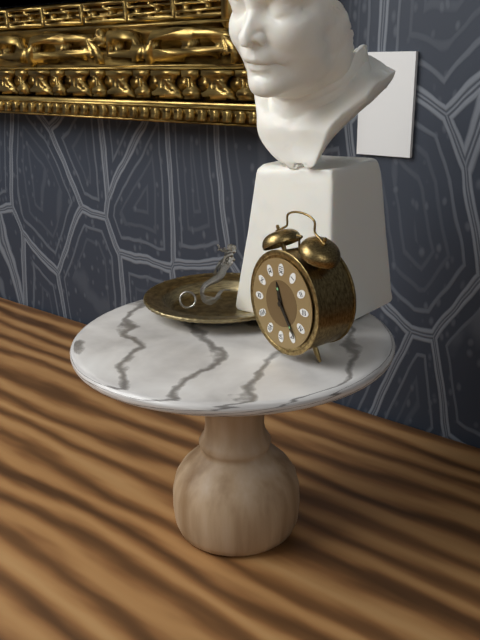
11:24
